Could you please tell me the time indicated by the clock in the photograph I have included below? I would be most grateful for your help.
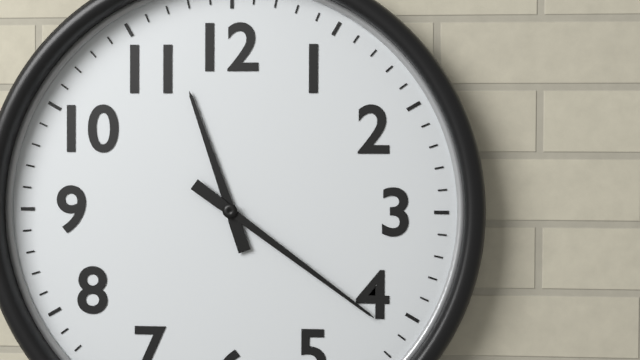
11:21
